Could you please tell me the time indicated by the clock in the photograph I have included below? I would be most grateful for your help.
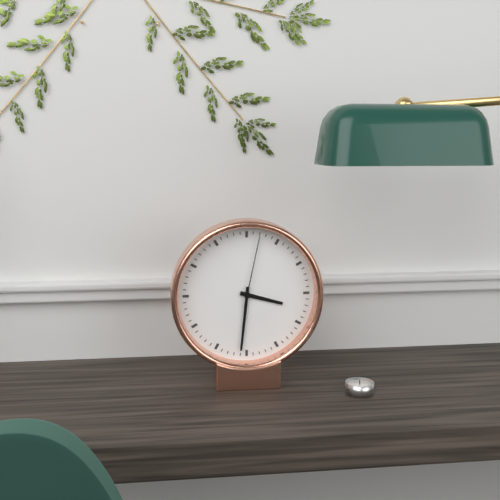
3:31:02
